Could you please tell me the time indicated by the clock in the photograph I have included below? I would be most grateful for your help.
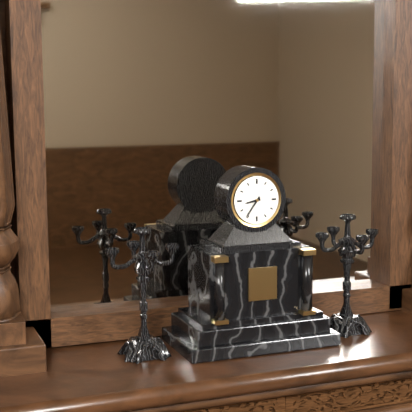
8:36
